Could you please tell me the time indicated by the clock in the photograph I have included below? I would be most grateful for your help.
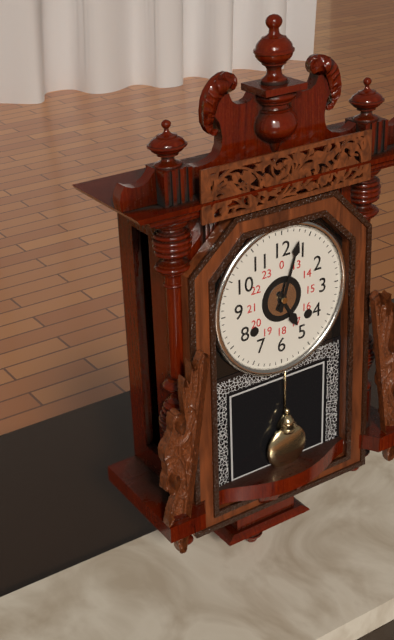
5:03
